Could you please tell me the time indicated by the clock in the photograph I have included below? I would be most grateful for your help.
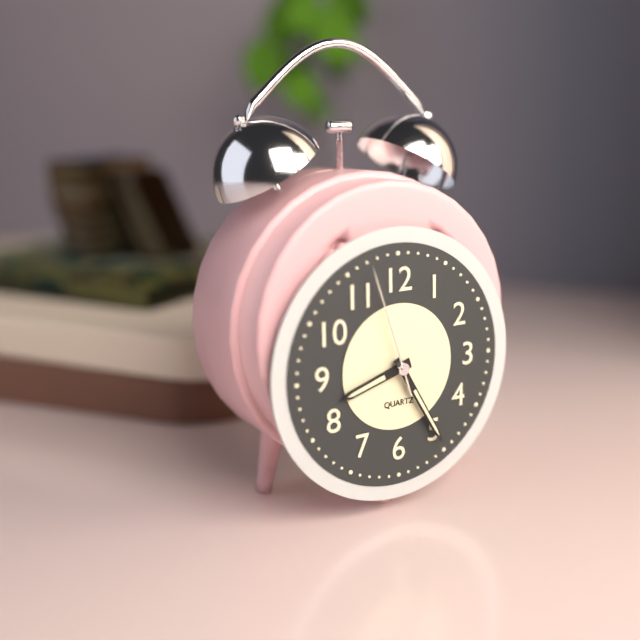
8:25:57
